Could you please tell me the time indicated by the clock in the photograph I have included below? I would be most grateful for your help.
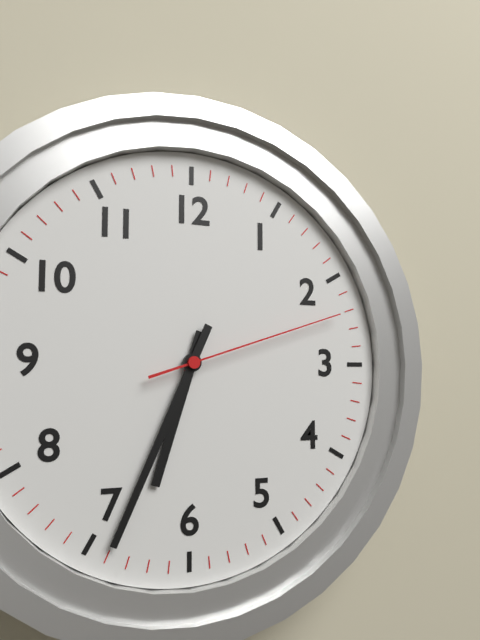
6:34:12
